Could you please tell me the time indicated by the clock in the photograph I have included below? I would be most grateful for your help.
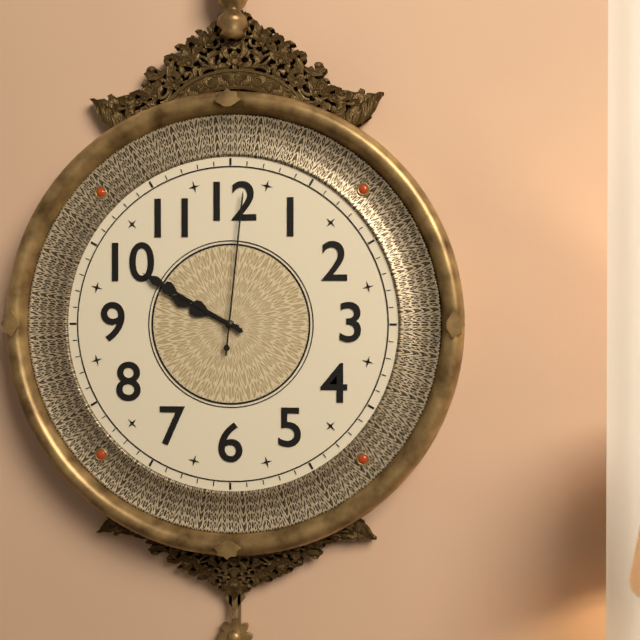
9:50:01
